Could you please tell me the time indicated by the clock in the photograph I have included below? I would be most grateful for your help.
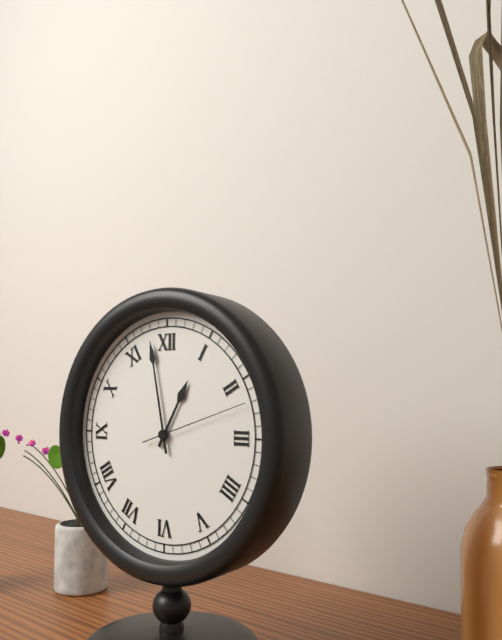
12:58:12
